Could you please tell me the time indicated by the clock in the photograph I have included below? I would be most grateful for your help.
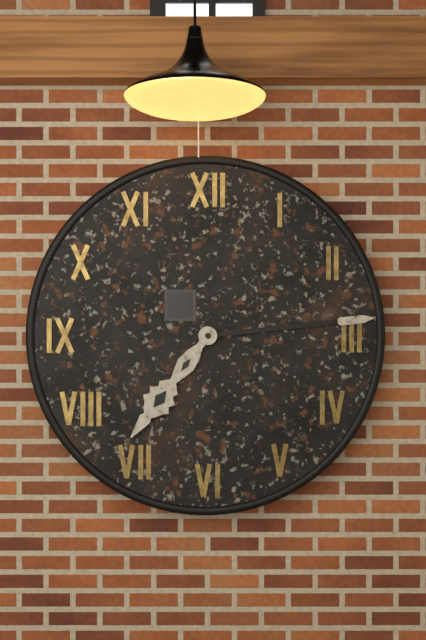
7:14
